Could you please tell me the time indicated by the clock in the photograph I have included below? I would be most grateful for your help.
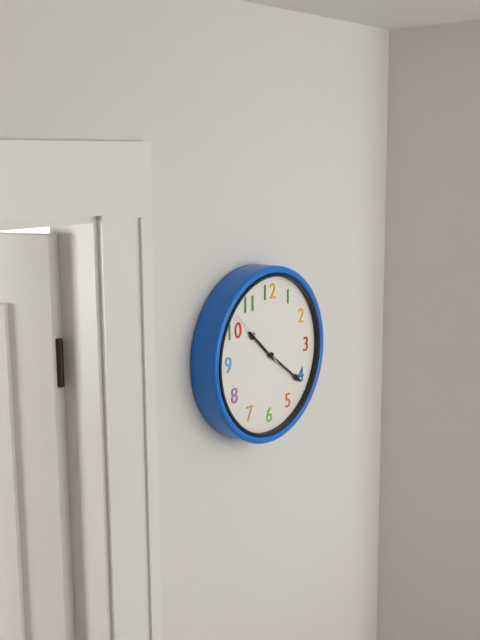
10:21:52
